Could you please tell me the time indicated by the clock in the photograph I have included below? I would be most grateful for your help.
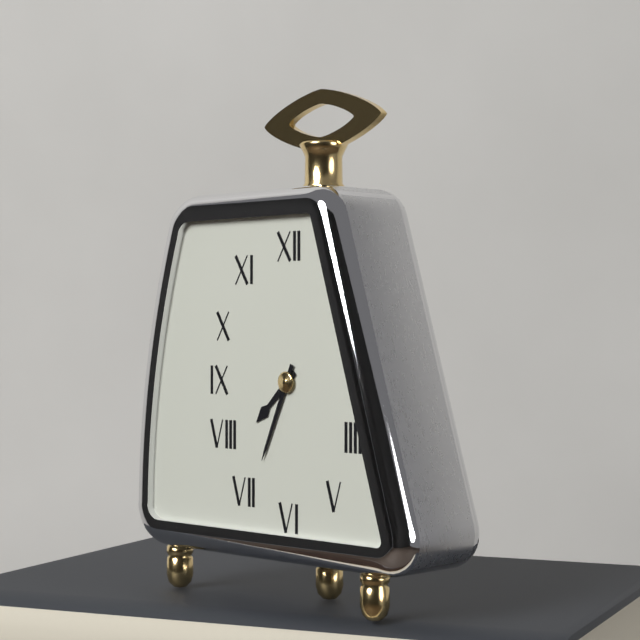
7:34
